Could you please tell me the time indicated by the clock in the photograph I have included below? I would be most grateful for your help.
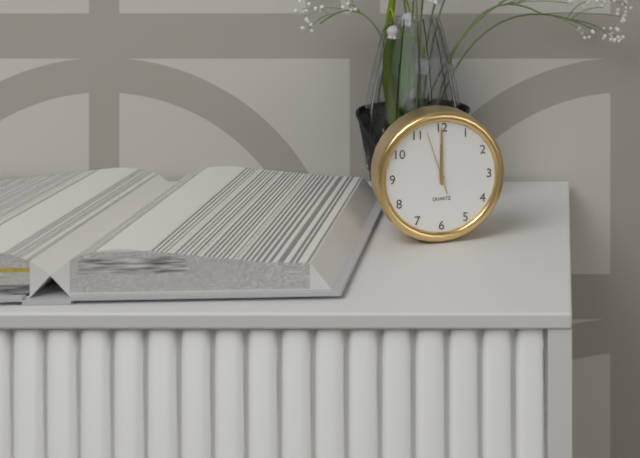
12:00:57
